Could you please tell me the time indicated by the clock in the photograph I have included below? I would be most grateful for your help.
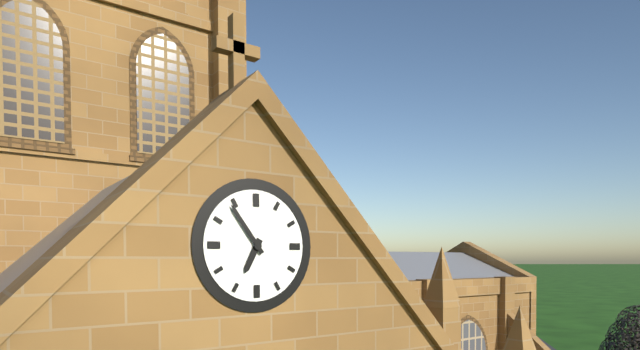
6:54
